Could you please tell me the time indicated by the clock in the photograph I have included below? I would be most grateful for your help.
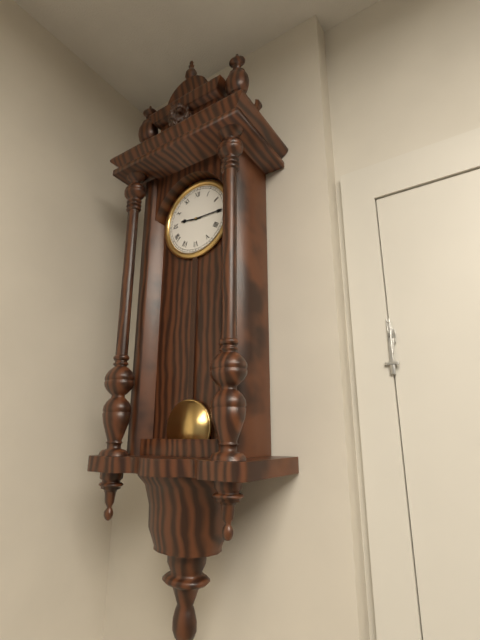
9:15
